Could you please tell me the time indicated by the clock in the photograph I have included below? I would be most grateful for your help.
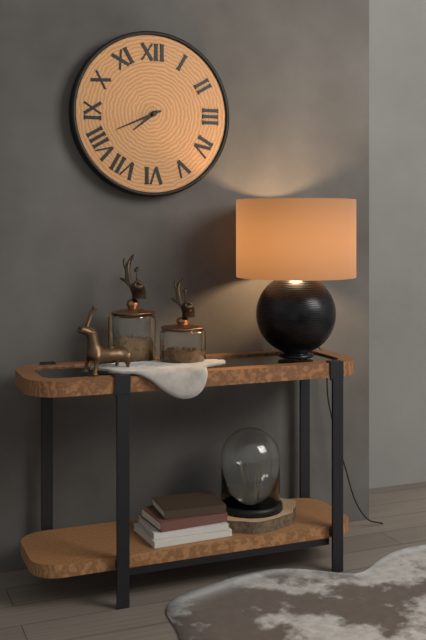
7:41
